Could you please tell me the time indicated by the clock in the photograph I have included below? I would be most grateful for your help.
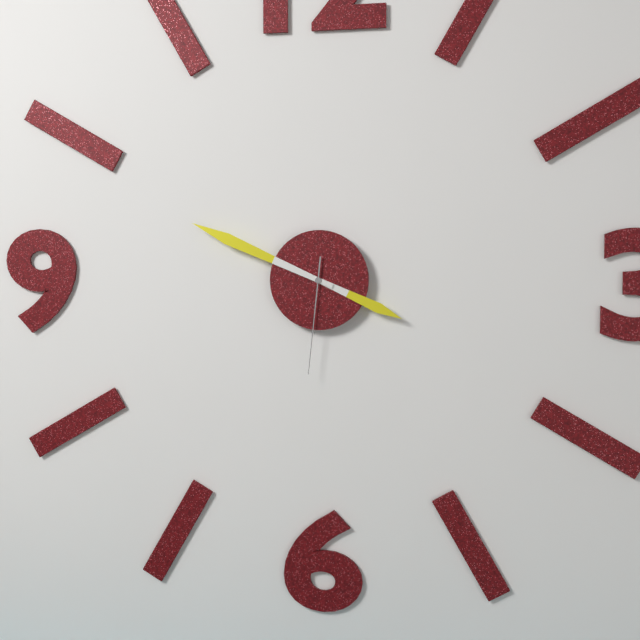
3:49:31
